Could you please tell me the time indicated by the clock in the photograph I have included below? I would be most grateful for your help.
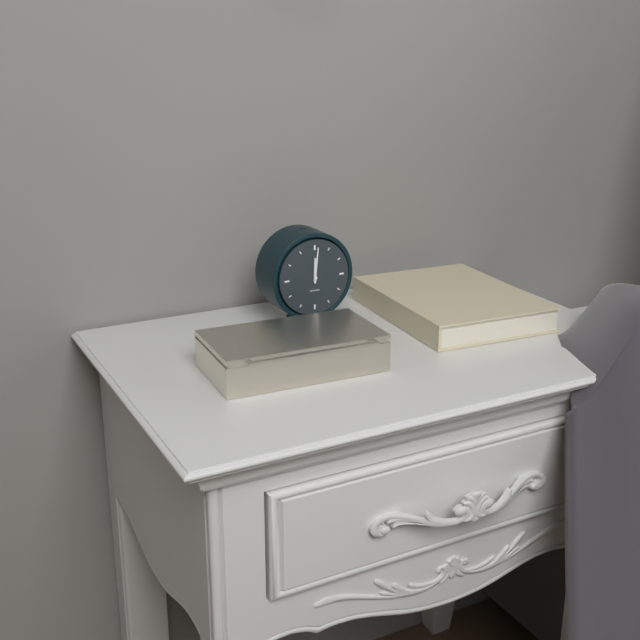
12:01
